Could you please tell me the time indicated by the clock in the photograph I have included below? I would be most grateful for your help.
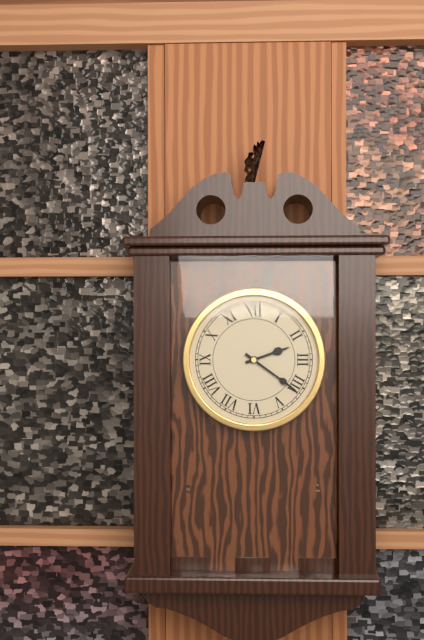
2:21
